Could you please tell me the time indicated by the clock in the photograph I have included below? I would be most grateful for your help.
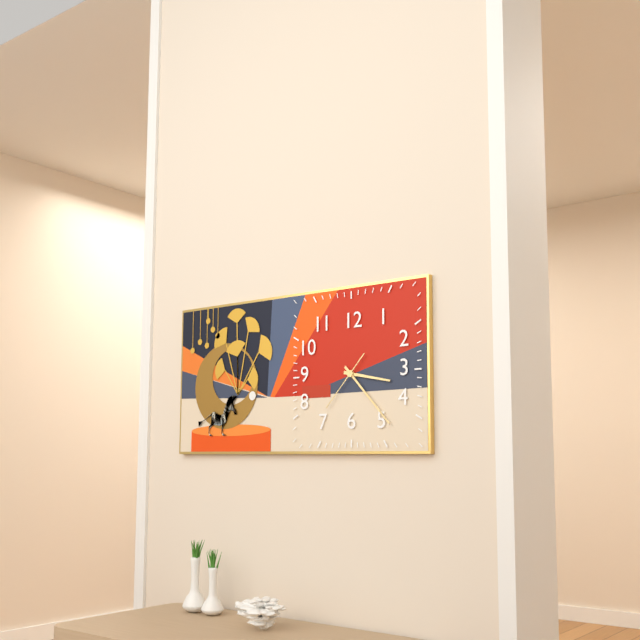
3:23:37
